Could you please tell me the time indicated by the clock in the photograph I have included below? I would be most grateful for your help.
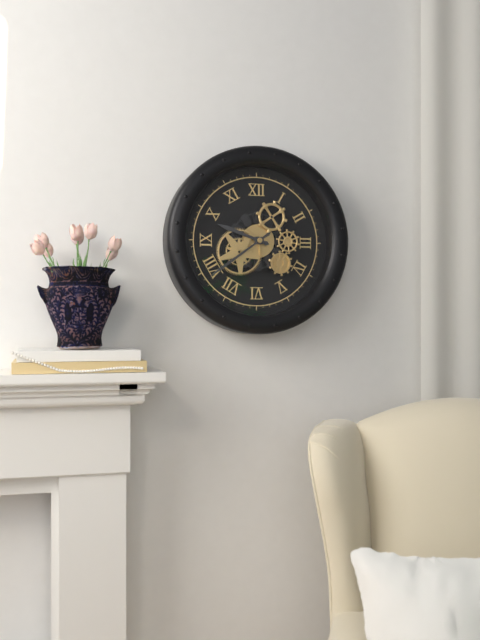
9:39
